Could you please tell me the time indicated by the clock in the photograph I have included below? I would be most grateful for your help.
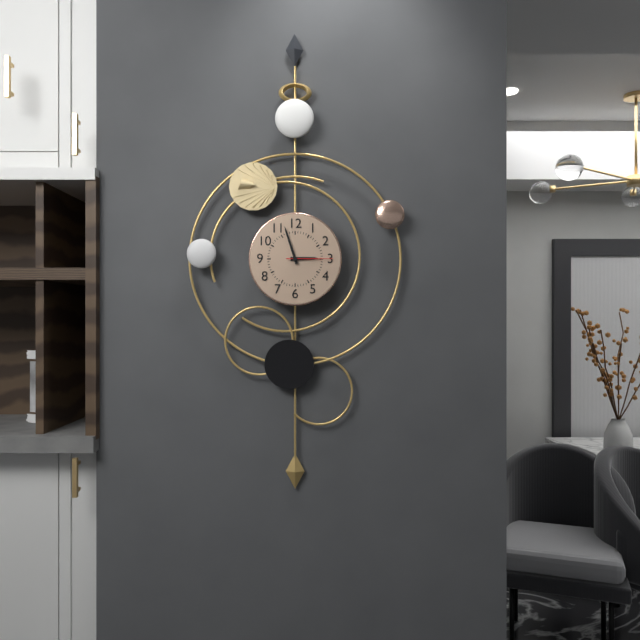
2:57
